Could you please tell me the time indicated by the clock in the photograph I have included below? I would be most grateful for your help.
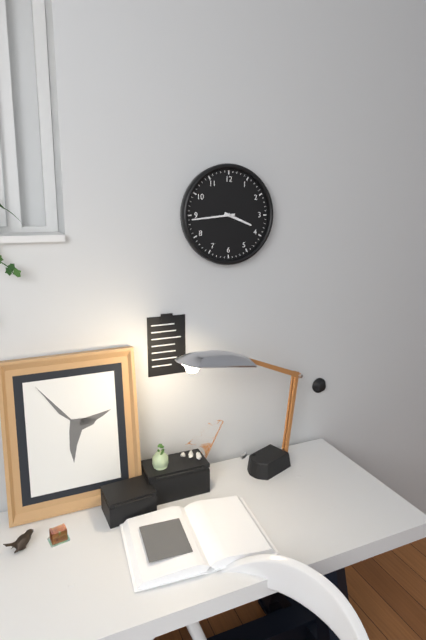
3:44
